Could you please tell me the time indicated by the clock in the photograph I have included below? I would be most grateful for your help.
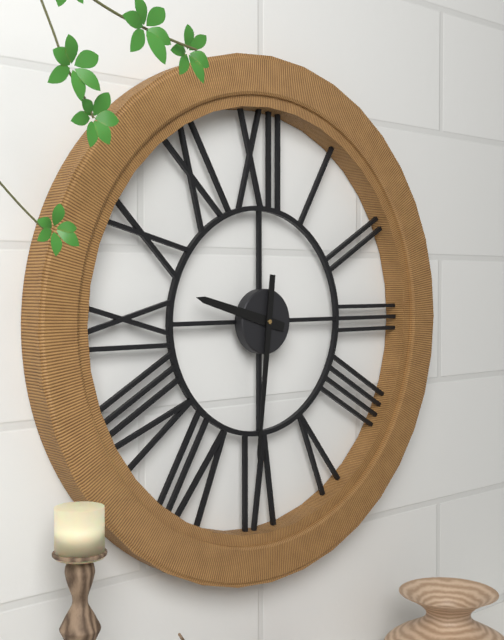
9:31
